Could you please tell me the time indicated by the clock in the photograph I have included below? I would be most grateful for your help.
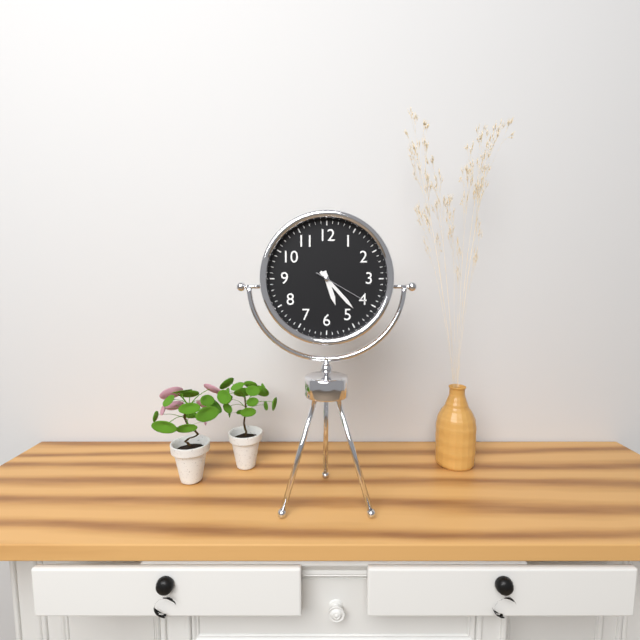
5:23:20
